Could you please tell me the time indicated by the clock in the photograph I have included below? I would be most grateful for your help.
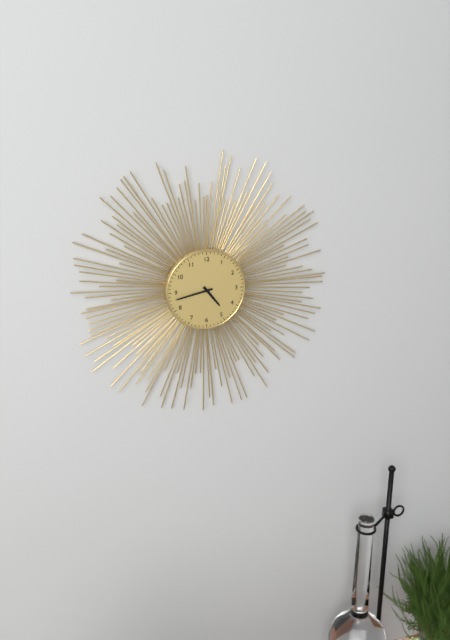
4:43
